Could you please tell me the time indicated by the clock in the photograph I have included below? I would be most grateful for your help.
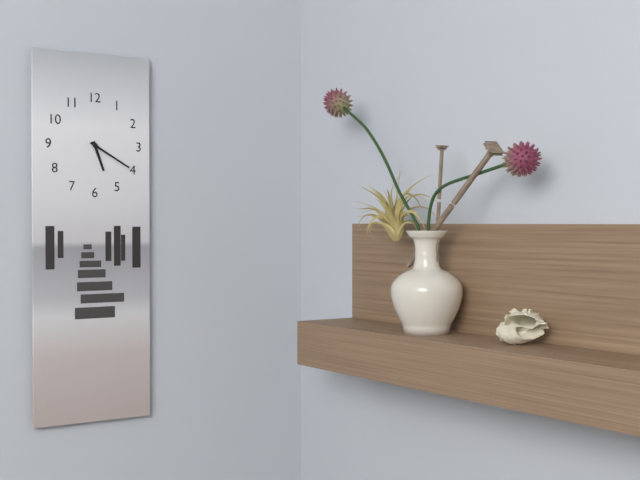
5:20
